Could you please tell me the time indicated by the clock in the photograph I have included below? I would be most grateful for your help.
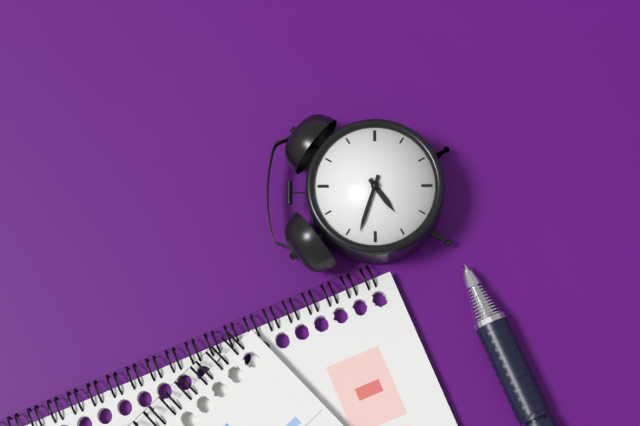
7:48
